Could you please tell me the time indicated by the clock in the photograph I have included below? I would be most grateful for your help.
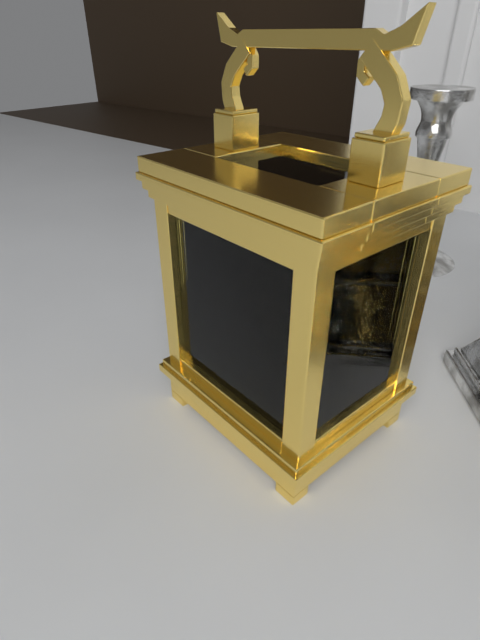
11:00
